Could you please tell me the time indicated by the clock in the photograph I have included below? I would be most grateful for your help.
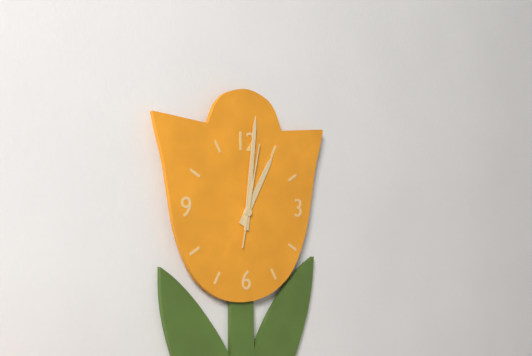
1:01:02
